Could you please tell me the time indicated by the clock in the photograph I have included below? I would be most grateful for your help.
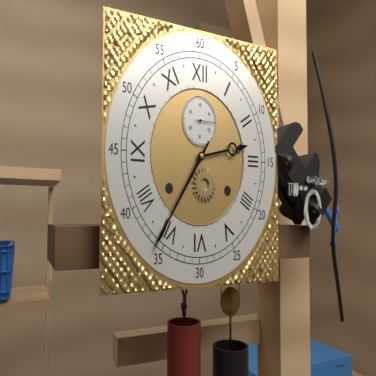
2:36
